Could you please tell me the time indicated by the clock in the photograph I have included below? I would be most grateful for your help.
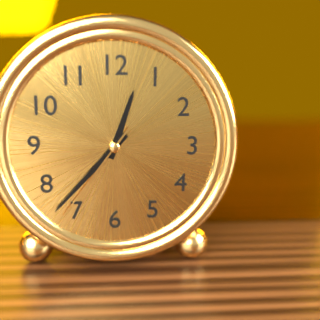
12:37:36
